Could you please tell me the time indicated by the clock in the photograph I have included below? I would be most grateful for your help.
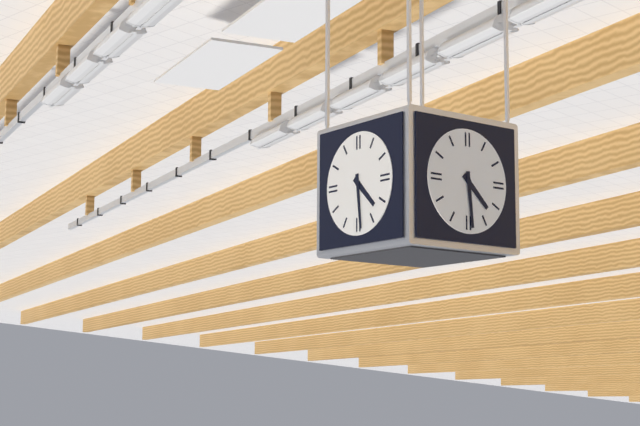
4:29
